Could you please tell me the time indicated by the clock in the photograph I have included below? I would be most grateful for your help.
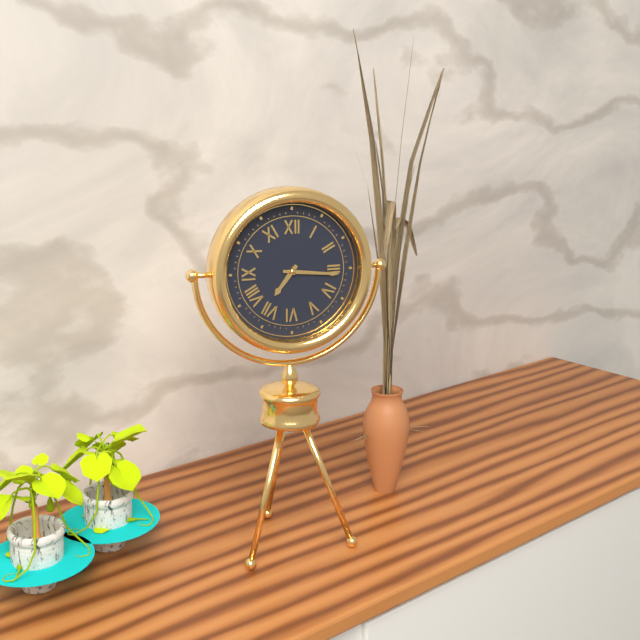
7:16
